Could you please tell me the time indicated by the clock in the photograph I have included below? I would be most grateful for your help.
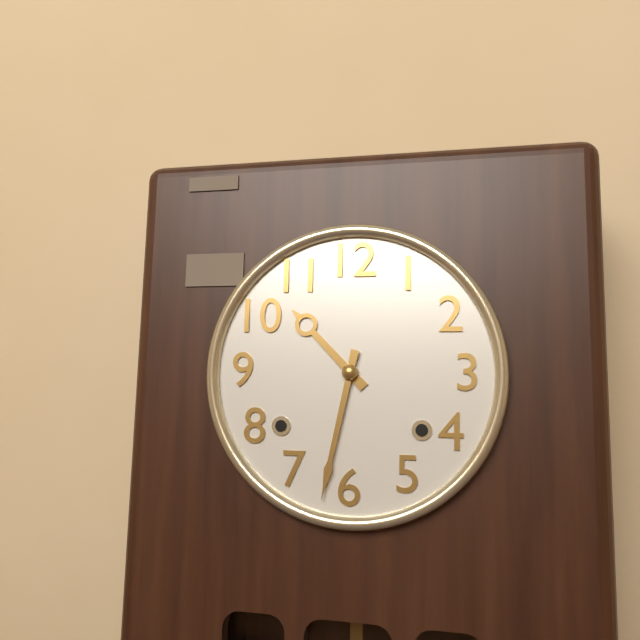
10:32
